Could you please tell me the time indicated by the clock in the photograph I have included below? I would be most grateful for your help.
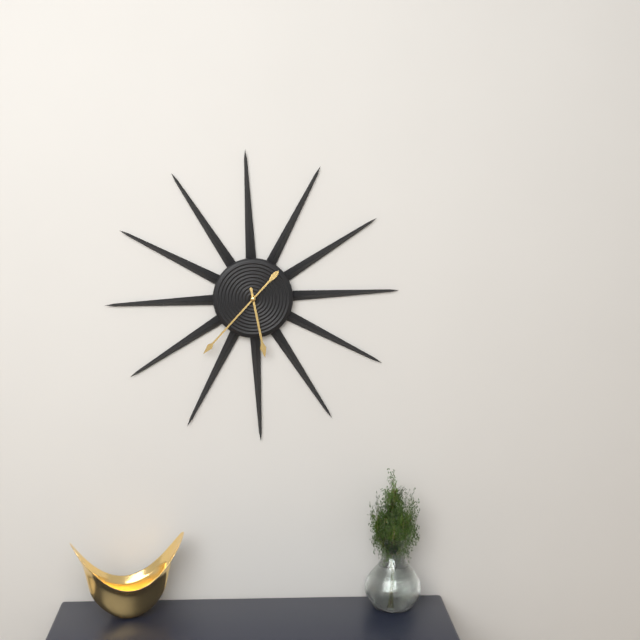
5:37
